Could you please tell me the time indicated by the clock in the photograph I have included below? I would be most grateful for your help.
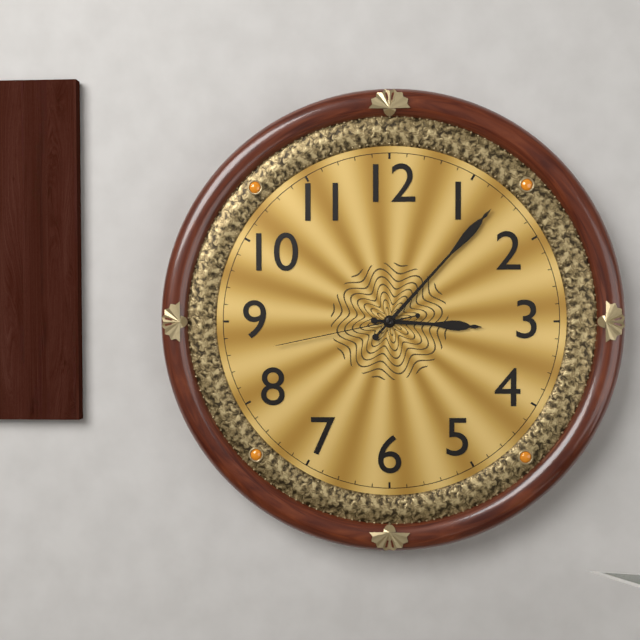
3:07:43
